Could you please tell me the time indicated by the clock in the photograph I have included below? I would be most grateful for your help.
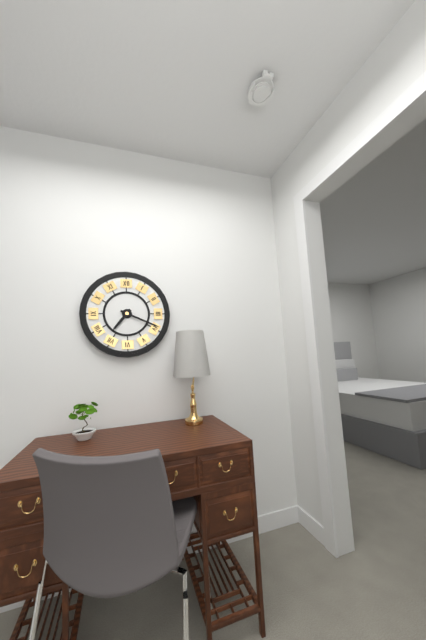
7:19
